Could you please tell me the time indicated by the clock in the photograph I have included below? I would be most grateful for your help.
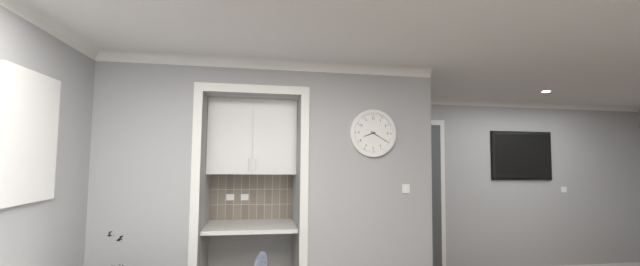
8:20
